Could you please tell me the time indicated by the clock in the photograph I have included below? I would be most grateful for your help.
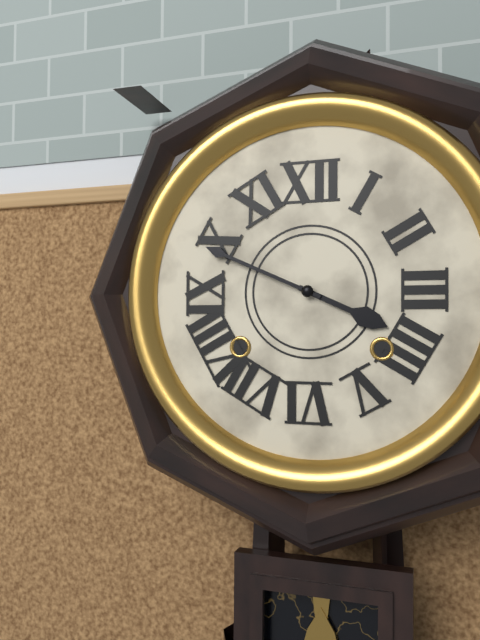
3:49
